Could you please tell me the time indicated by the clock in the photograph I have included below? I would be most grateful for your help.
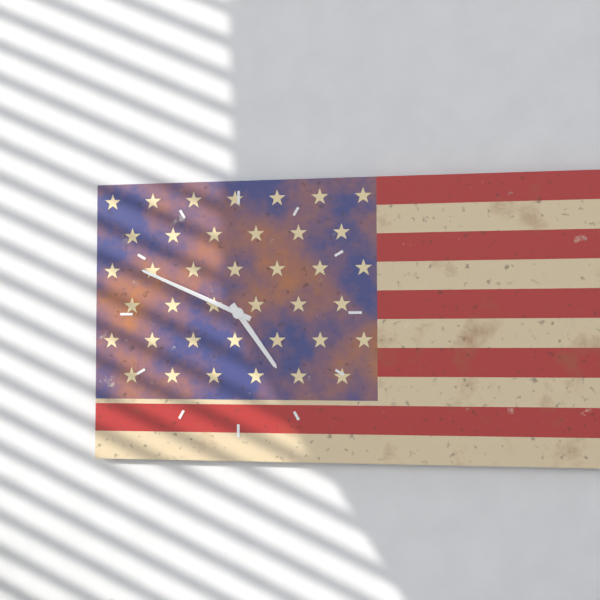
4:49
